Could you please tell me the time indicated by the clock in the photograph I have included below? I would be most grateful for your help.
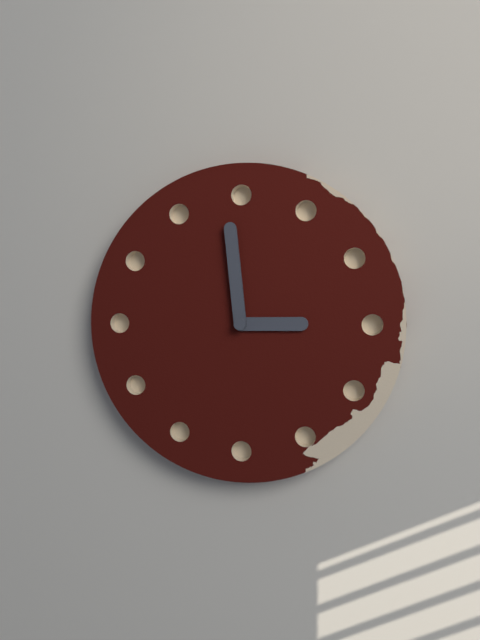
2:59
